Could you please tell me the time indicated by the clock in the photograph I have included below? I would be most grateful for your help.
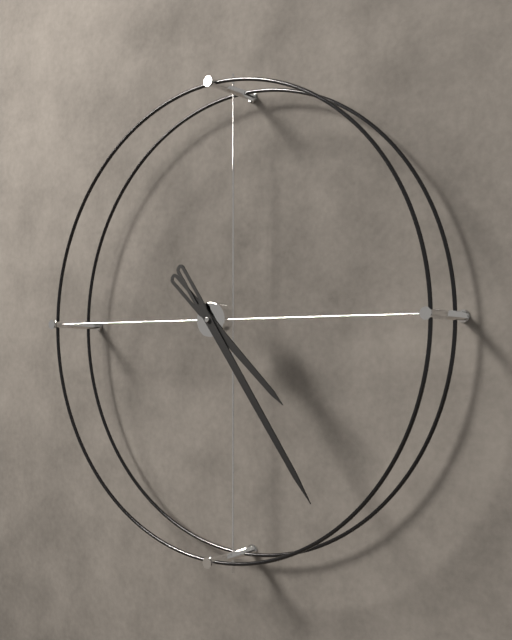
4:24
